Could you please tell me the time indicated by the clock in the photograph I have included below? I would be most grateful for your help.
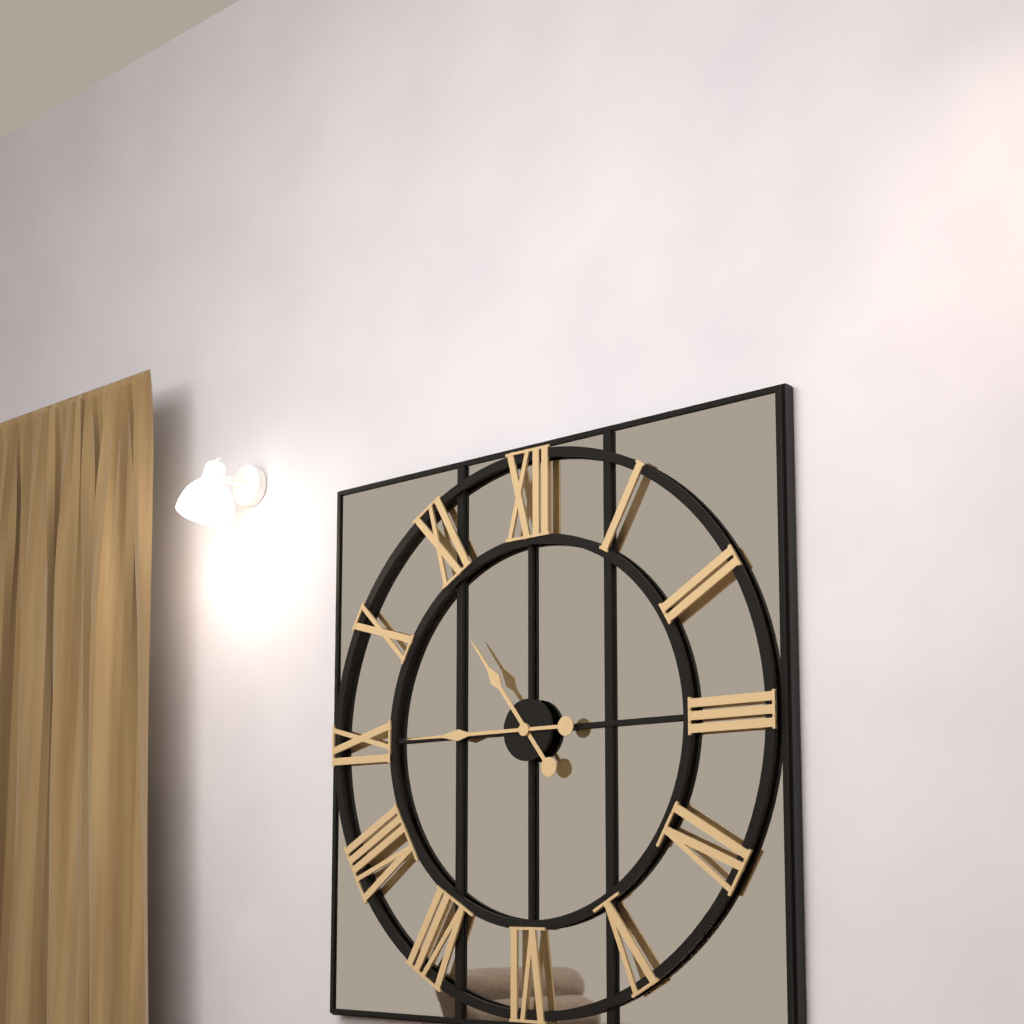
10:45
